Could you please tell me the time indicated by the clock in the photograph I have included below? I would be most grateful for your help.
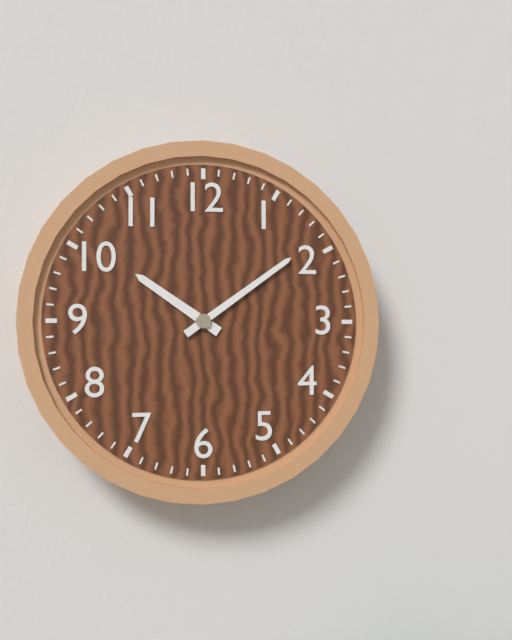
10:09
